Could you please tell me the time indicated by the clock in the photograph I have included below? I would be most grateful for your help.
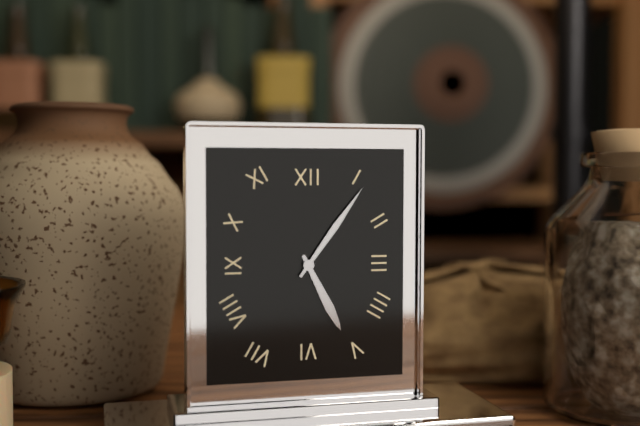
5:06
